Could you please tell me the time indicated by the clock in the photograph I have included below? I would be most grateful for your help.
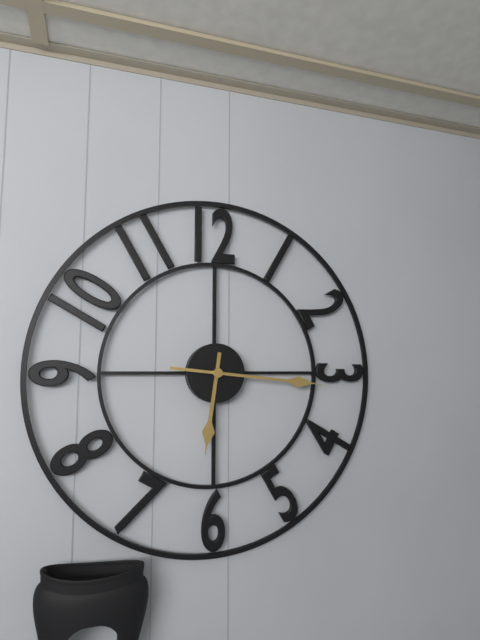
6:16
